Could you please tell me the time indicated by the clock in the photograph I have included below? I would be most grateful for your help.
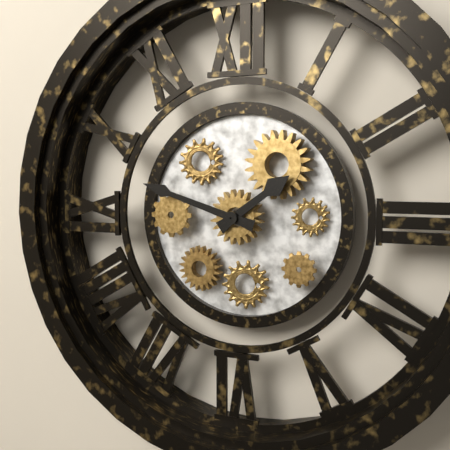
1:48
